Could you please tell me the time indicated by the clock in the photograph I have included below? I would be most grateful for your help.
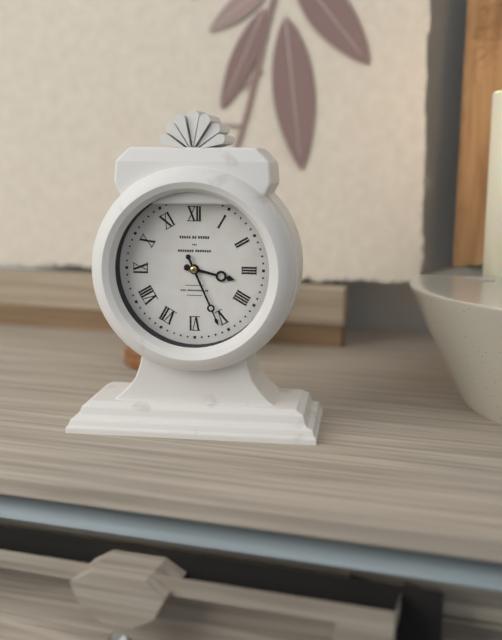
3:26
